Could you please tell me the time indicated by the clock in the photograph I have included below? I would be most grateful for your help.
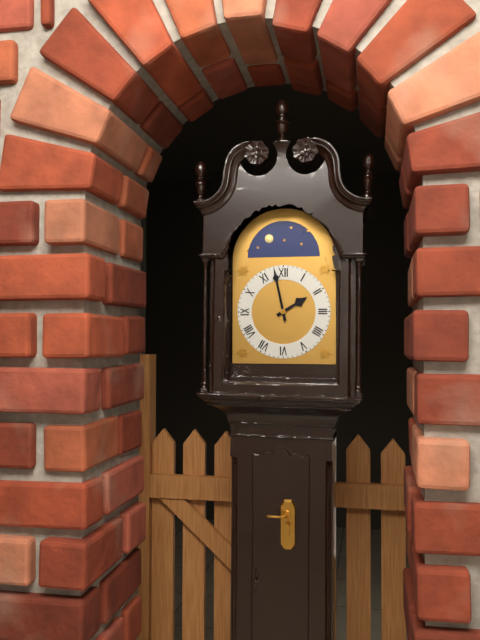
1:58
